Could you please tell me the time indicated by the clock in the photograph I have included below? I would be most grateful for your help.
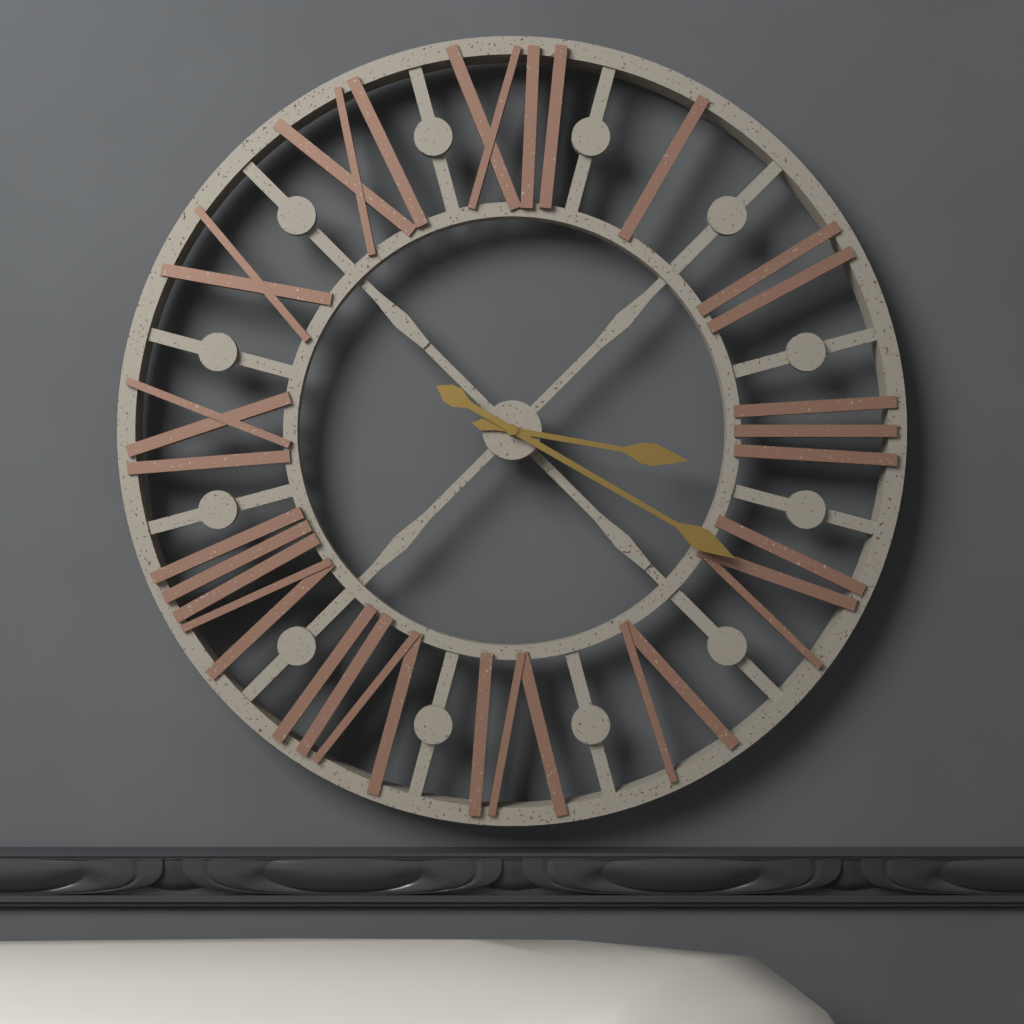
3:20
